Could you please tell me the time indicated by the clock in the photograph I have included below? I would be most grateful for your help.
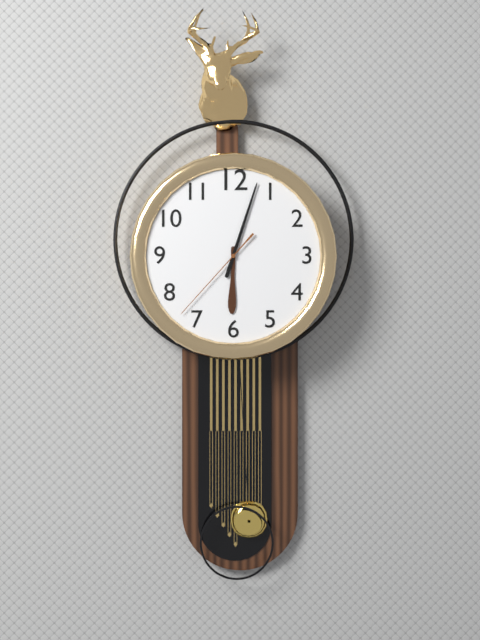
6:03:37
